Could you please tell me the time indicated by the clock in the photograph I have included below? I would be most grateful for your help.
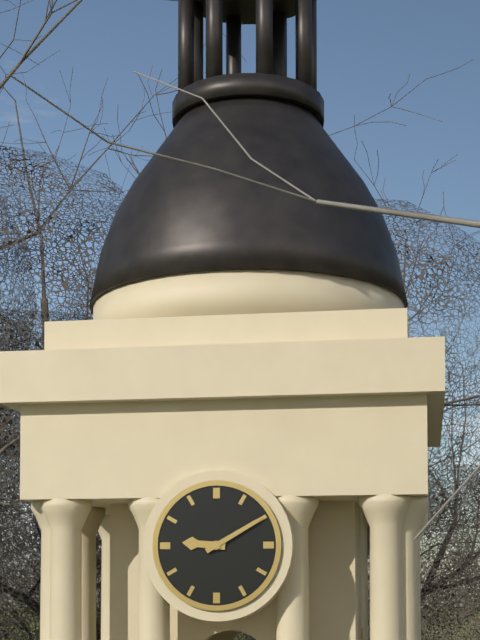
9:10
